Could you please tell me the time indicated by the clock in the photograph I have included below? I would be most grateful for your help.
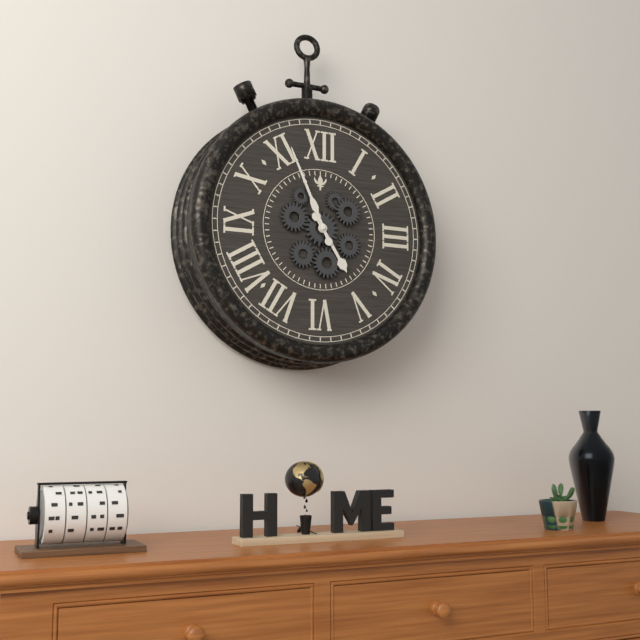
4:56
